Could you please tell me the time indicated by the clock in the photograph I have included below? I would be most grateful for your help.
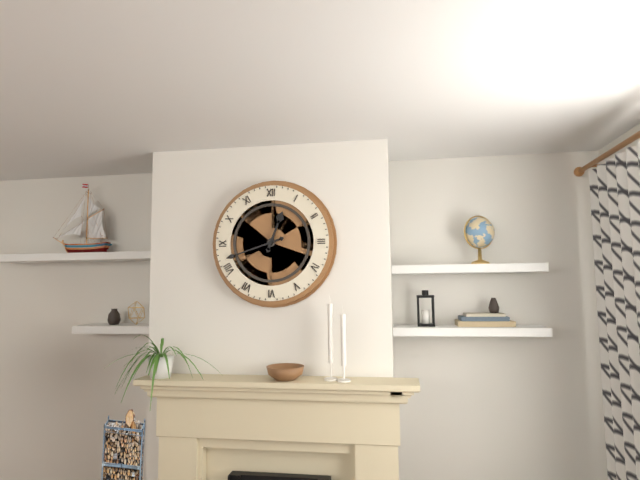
12:42
